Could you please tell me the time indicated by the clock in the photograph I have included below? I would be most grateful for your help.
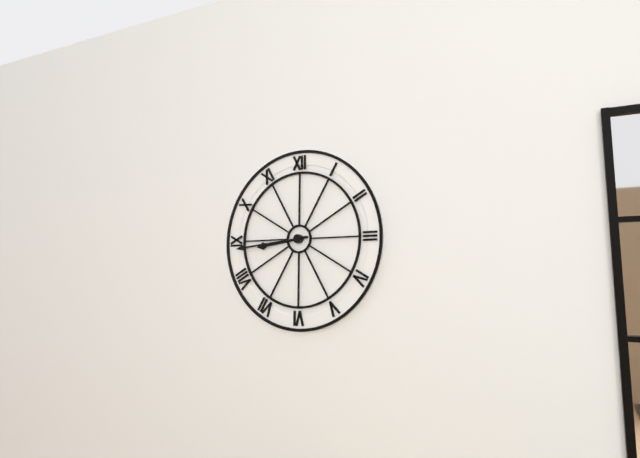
8:44
